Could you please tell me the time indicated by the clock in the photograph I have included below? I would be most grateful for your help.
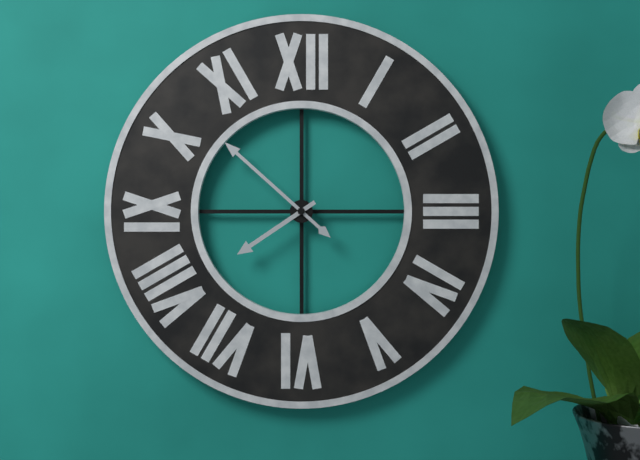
7:52
